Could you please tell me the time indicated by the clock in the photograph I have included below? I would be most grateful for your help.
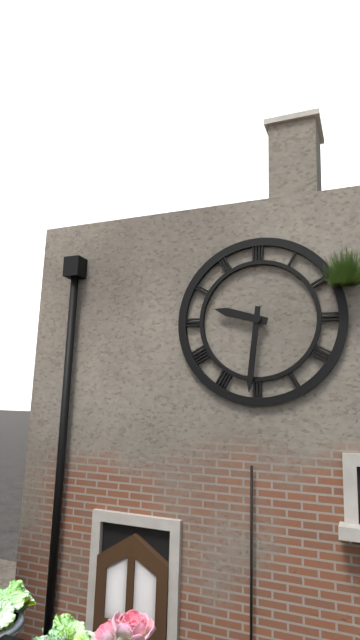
9:31
